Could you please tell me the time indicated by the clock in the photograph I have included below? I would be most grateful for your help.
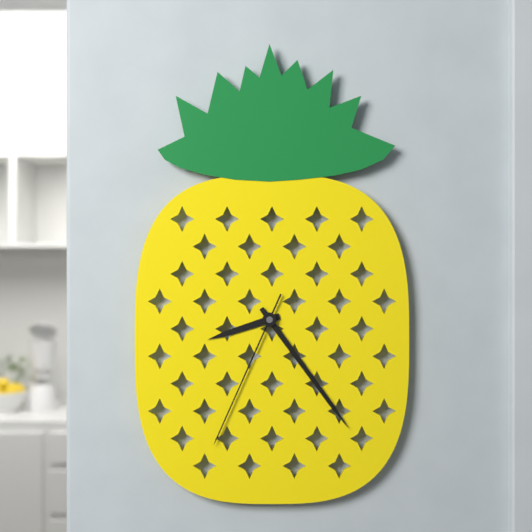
8:24:34
